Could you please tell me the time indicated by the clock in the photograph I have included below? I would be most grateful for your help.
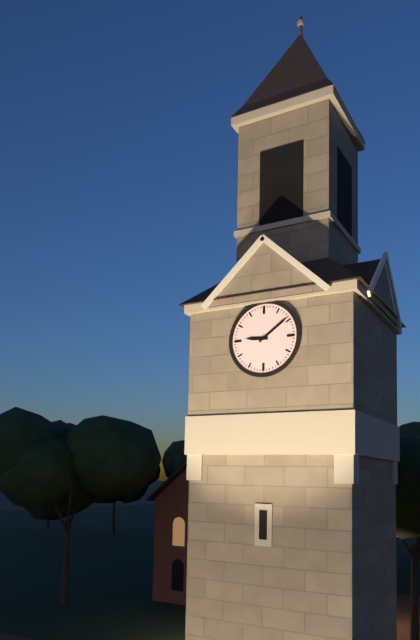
9:09
